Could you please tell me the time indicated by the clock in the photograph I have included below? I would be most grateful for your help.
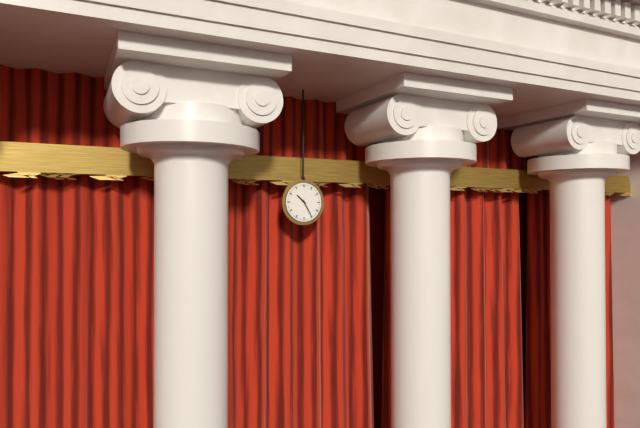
10:25
